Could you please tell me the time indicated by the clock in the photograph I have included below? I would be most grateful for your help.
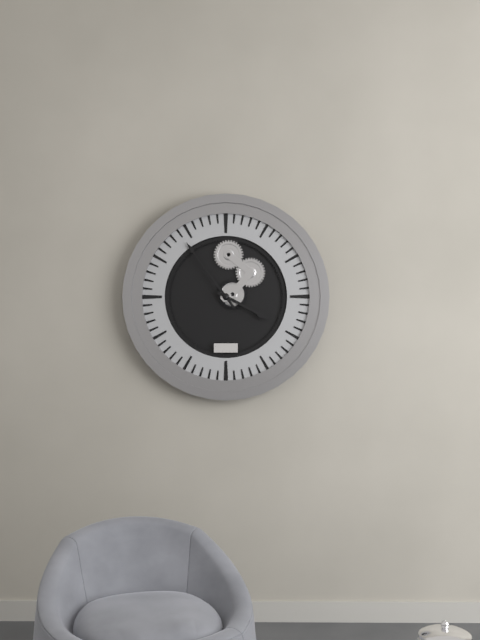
3:54
